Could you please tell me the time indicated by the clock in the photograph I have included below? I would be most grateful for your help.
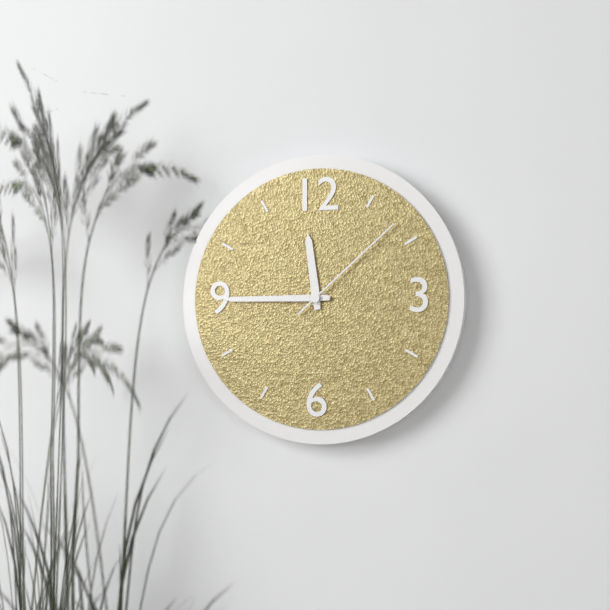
11:45:08
